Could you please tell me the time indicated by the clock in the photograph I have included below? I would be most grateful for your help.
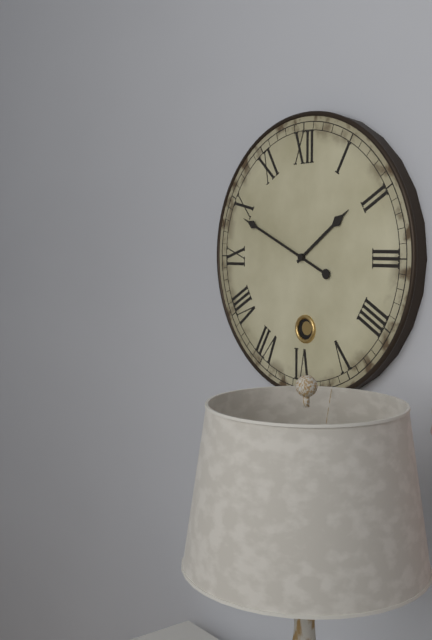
1:49
